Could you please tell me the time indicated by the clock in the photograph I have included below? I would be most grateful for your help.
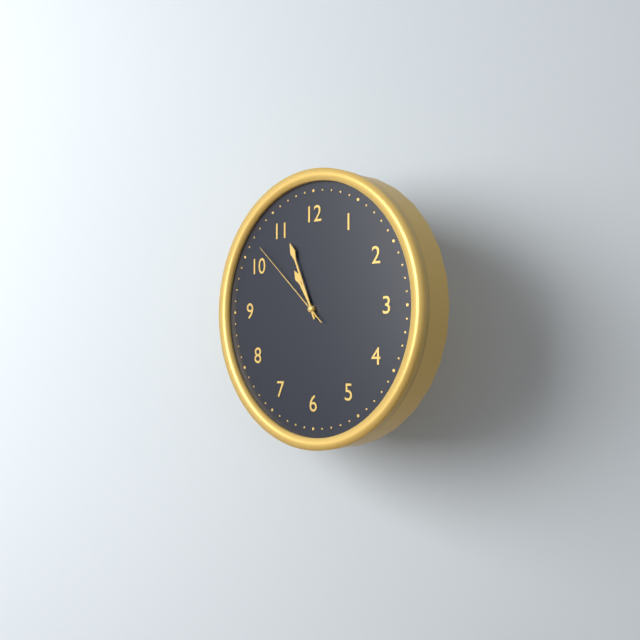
10:56:52
